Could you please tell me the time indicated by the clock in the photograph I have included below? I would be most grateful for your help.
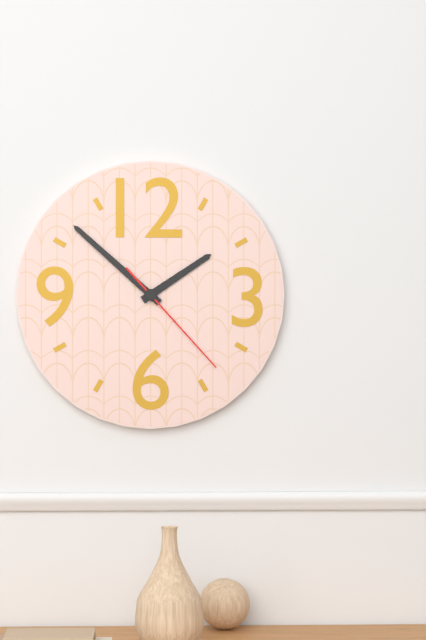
1:52:23
